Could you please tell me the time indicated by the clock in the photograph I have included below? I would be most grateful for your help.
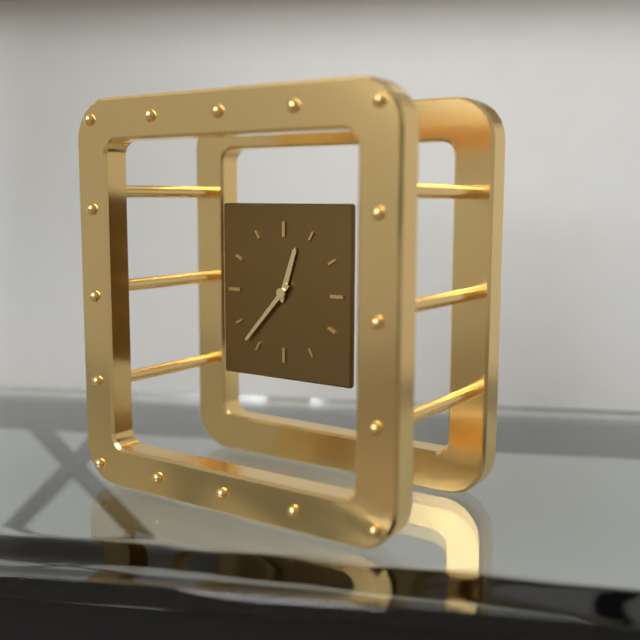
12:37
